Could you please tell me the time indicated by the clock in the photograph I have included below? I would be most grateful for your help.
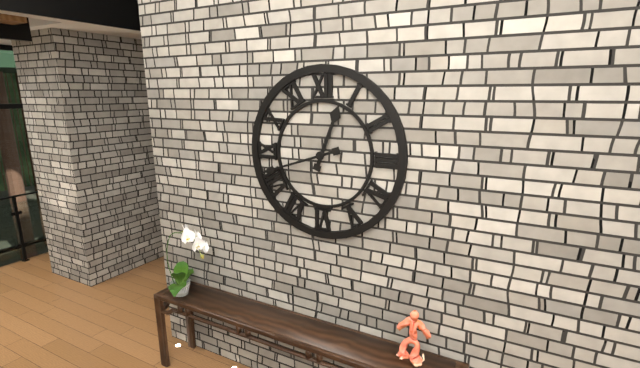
12:42
